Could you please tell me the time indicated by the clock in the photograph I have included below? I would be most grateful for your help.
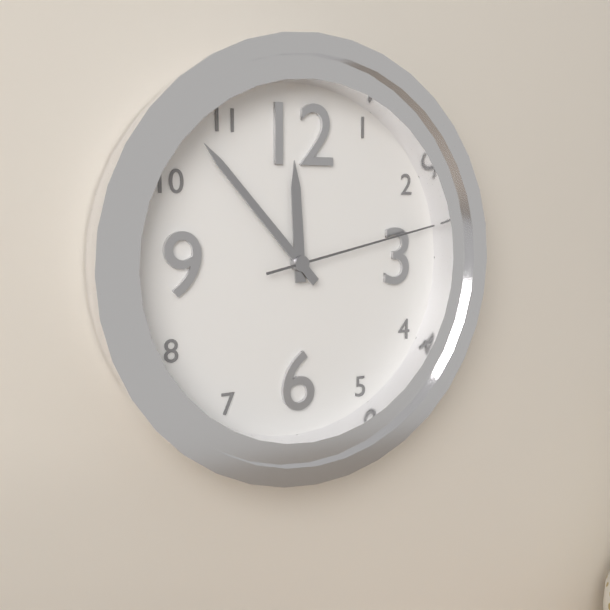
11:53:13
